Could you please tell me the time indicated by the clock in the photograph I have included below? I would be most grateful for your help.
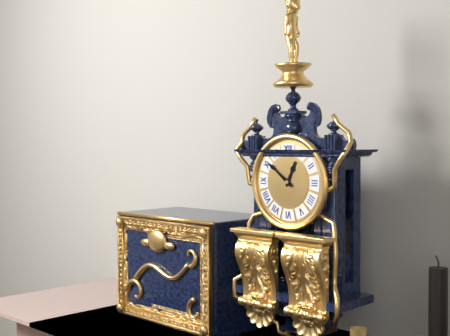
12:51
